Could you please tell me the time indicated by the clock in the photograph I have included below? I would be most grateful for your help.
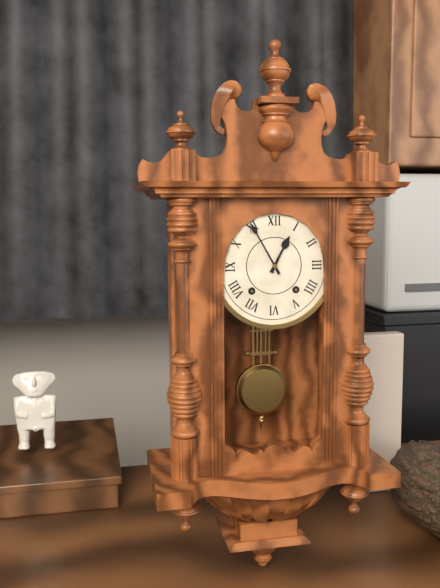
12:55
